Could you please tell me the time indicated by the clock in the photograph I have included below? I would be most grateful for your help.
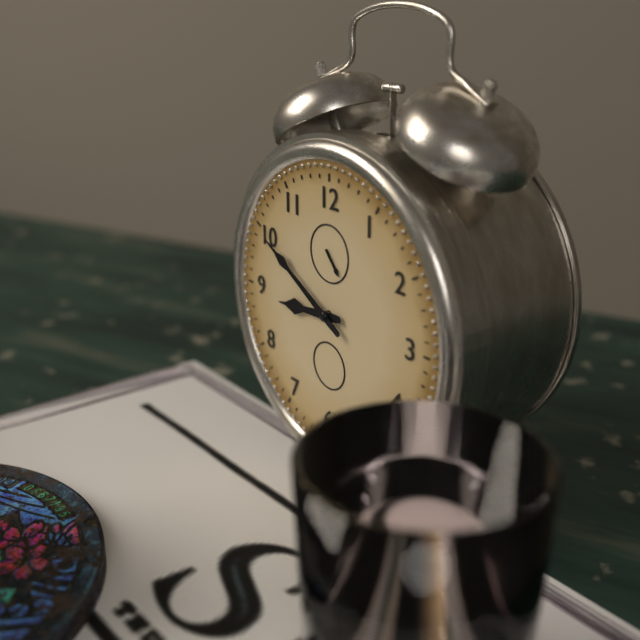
8:50
